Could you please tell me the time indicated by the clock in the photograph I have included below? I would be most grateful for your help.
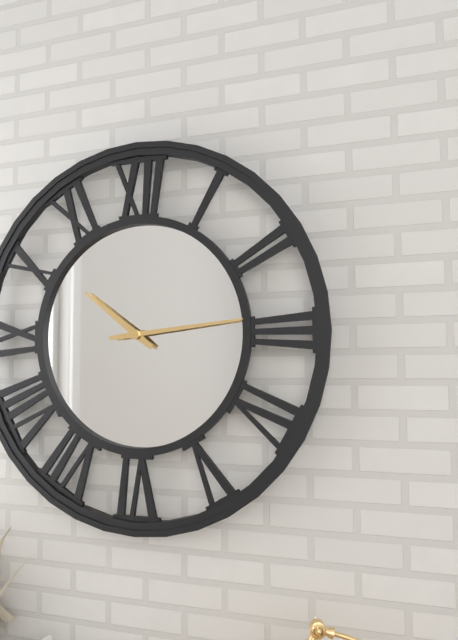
10:14
